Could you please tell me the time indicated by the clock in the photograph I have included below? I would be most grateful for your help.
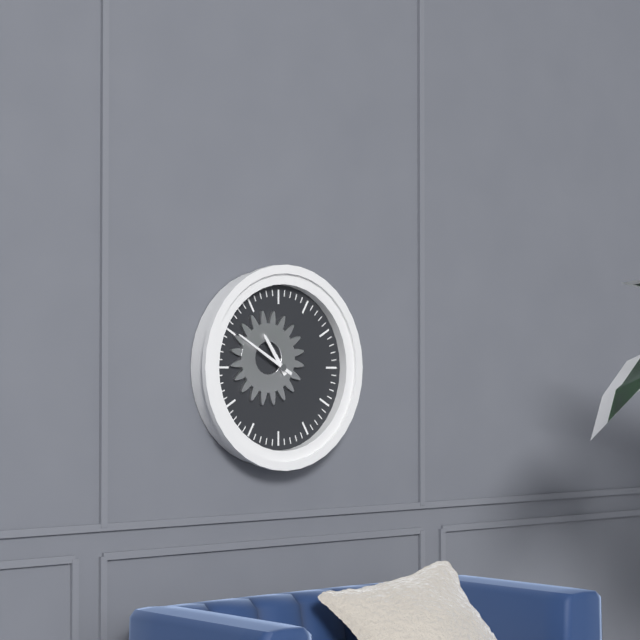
10:50
